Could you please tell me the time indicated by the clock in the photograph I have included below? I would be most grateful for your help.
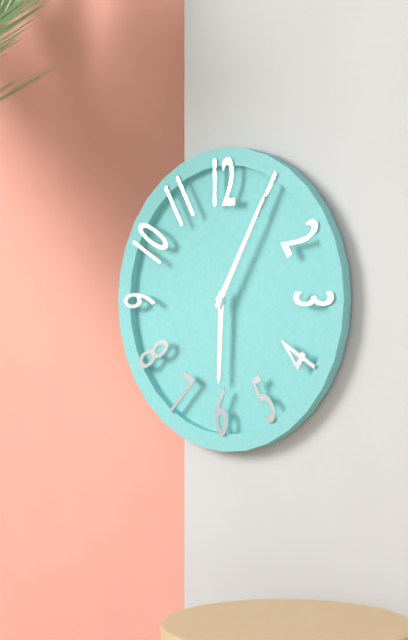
6:05
